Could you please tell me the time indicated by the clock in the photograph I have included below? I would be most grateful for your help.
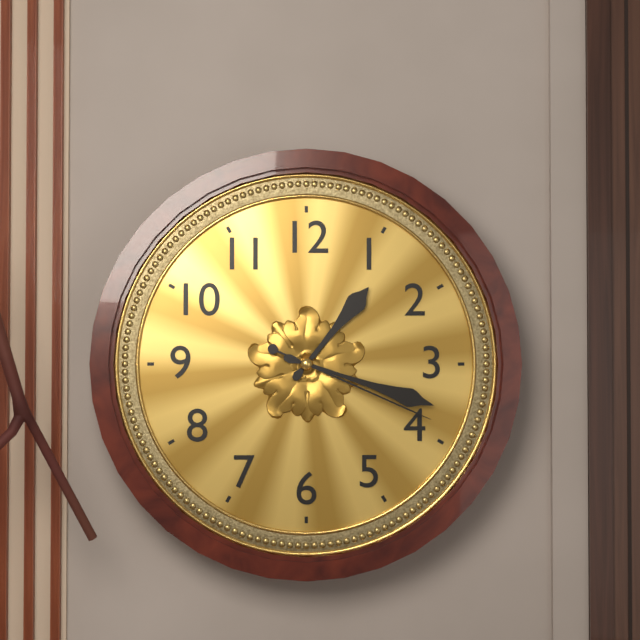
1:18:19
